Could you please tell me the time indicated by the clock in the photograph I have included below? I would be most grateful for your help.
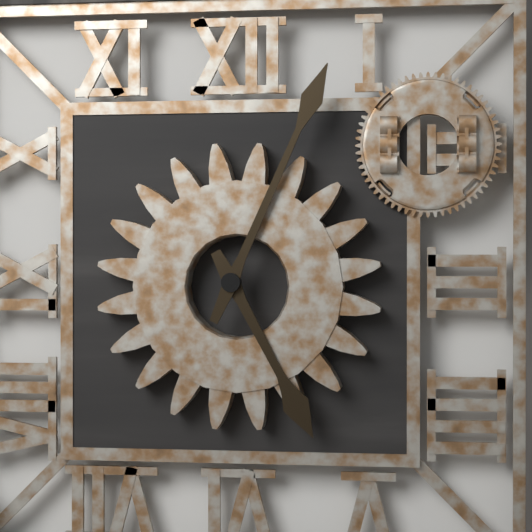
5:04
